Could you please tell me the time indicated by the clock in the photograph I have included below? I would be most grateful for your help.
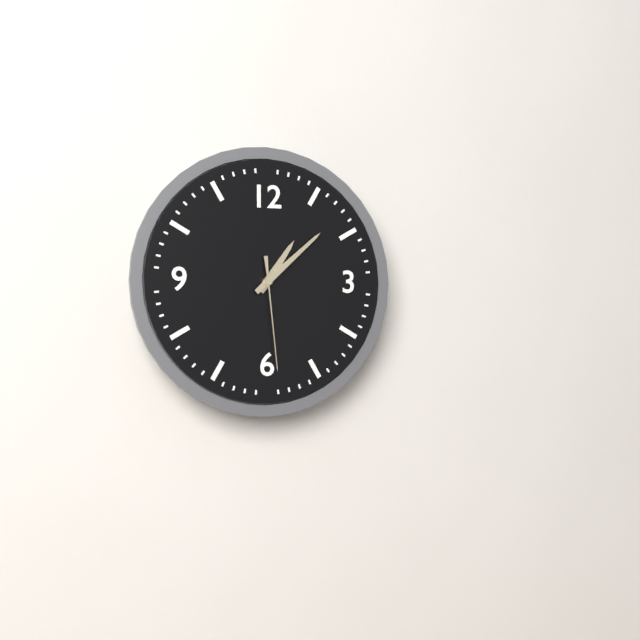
1:08:29
